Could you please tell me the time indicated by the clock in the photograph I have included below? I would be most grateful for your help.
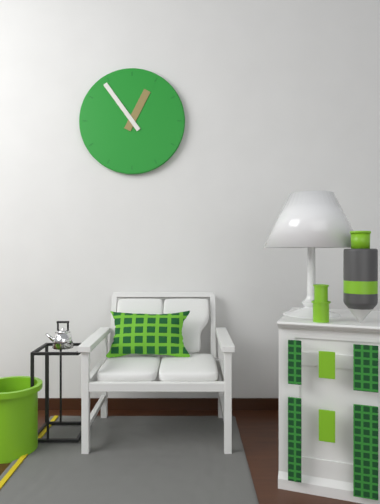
12:54
